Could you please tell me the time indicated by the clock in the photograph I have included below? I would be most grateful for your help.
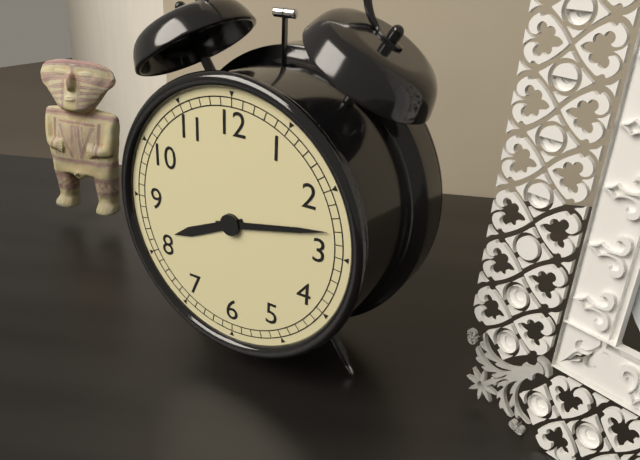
8:13
